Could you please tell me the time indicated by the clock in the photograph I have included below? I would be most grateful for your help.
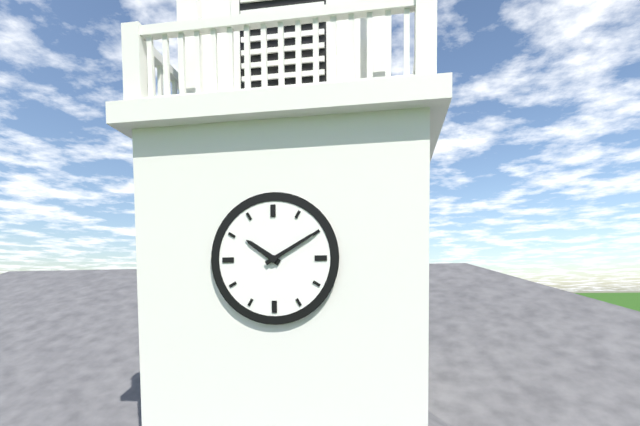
10:10
